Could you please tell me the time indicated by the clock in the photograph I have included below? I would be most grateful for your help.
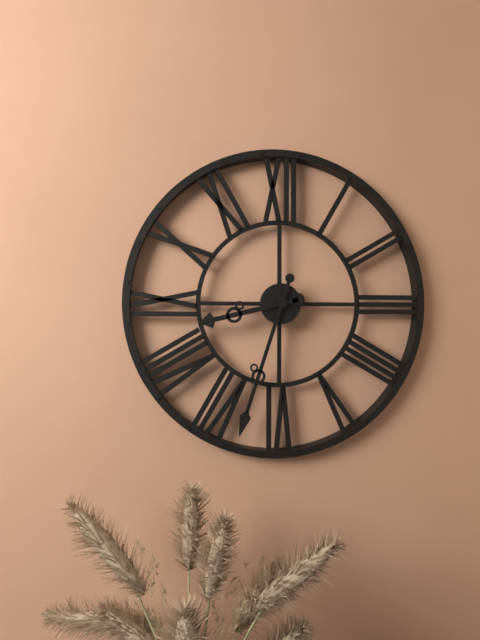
8:33
